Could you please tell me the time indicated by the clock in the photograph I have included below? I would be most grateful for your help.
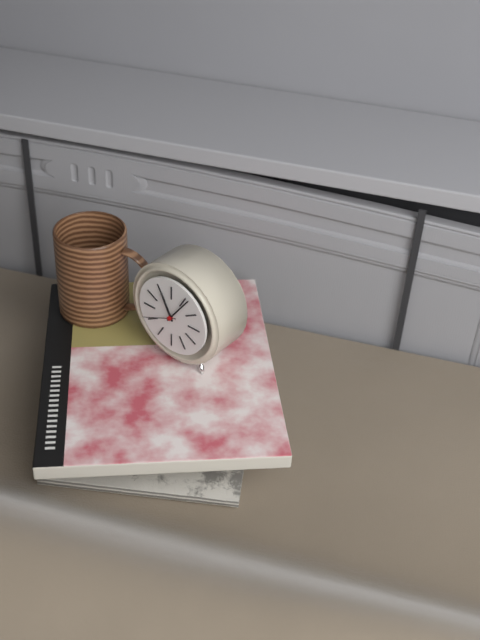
11:06
